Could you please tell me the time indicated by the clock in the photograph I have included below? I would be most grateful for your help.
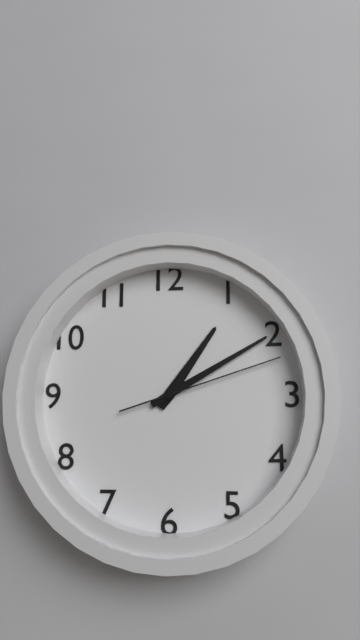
1:10:12
